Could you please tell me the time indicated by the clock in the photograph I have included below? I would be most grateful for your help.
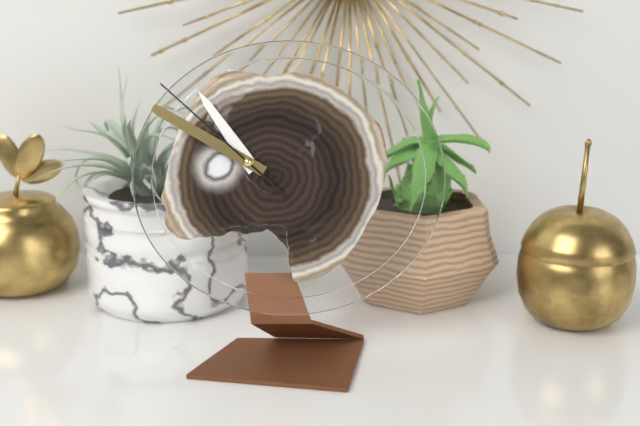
10:50:52
